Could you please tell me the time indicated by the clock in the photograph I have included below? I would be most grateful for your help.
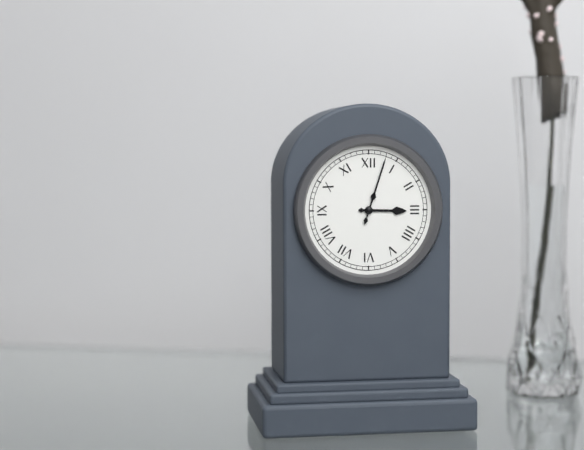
3:03
